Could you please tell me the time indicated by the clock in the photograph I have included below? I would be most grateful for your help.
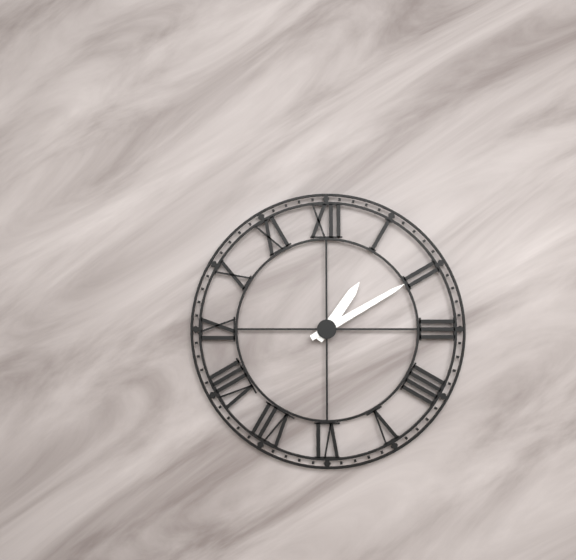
1:10
